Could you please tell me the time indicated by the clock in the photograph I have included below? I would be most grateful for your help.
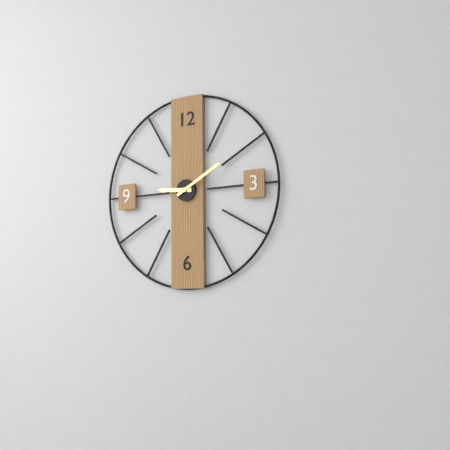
9:10
